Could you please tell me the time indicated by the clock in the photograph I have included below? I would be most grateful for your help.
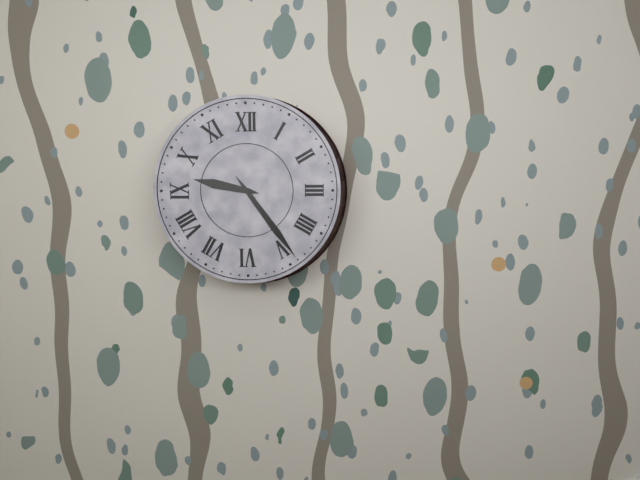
9:24
